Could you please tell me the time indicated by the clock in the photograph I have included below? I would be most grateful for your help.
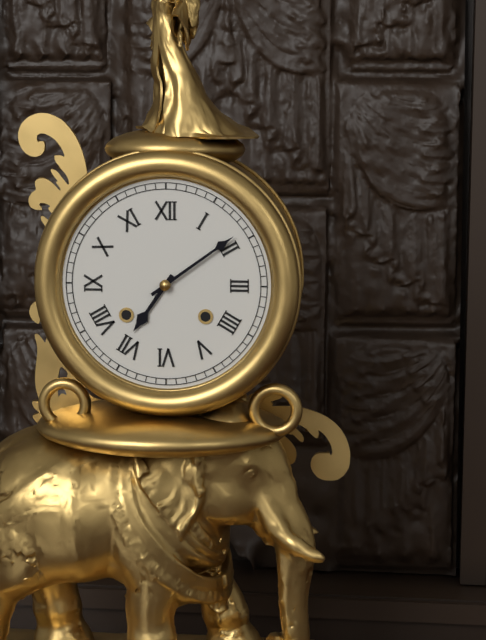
7:09
